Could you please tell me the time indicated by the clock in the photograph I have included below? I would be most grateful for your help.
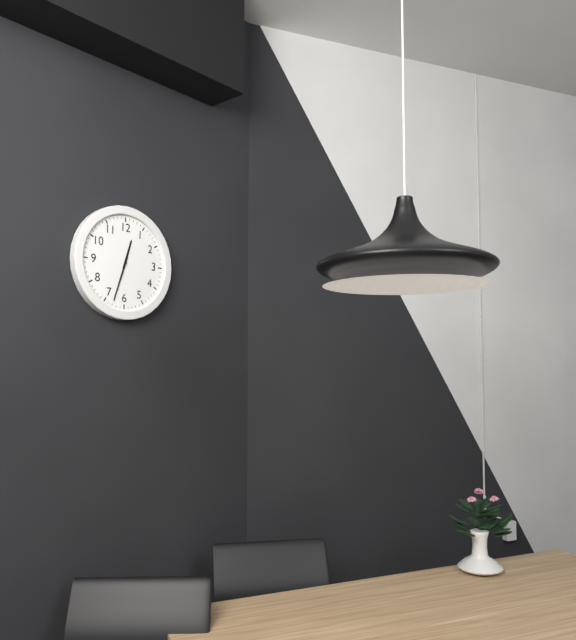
12:33
